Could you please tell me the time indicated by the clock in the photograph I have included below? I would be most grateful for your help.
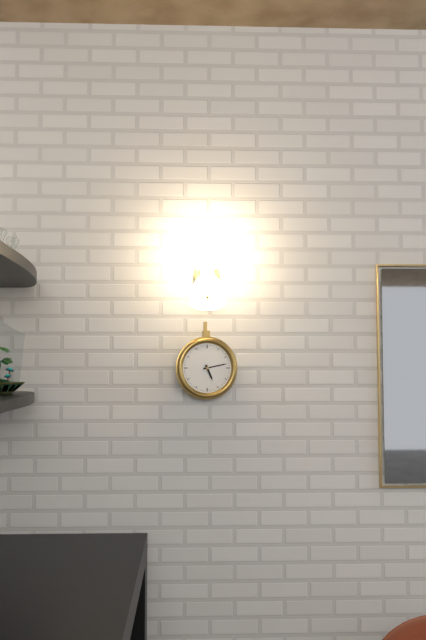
5:13
